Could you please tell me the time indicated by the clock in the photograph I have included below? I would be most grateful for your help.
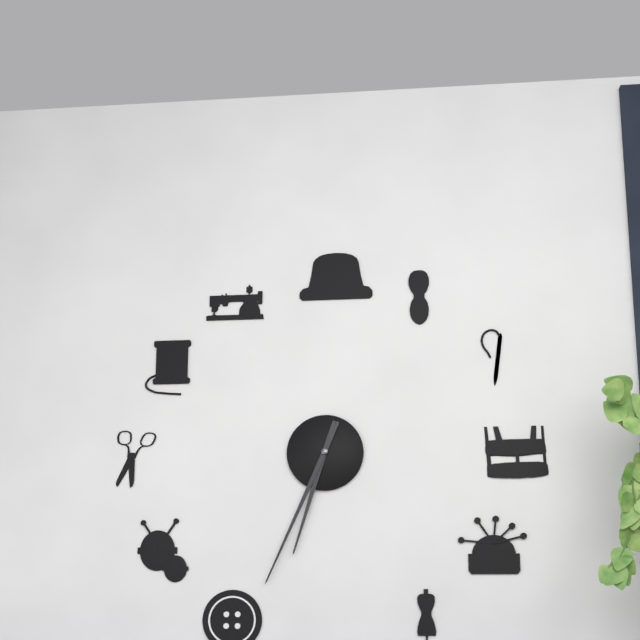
6:34
